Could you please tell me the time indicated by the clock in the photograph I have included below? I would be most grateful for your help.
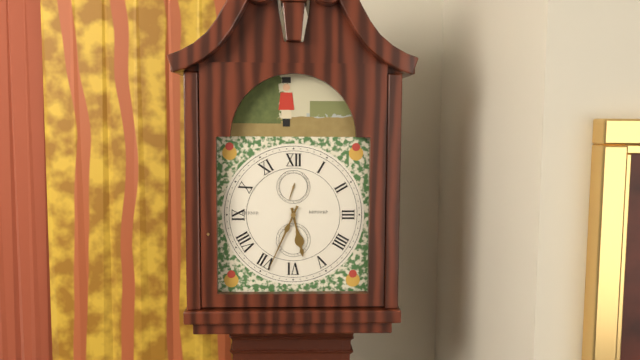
5:34
